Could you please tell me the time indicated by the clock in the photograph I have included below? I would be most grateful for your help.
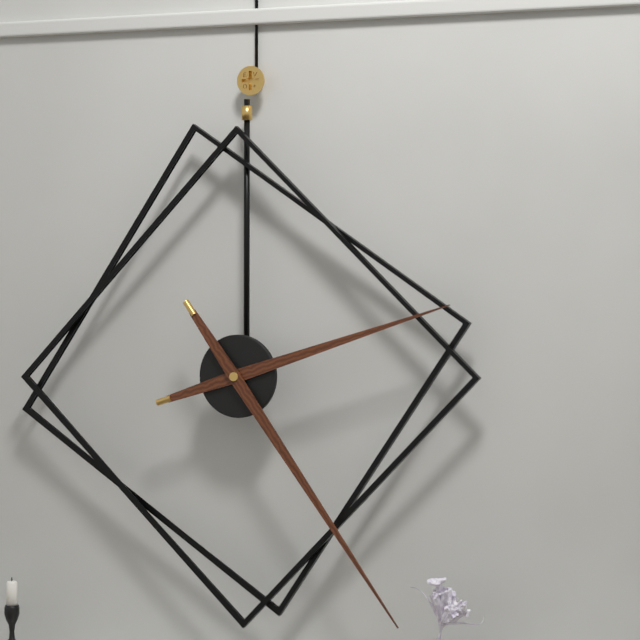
2:24
